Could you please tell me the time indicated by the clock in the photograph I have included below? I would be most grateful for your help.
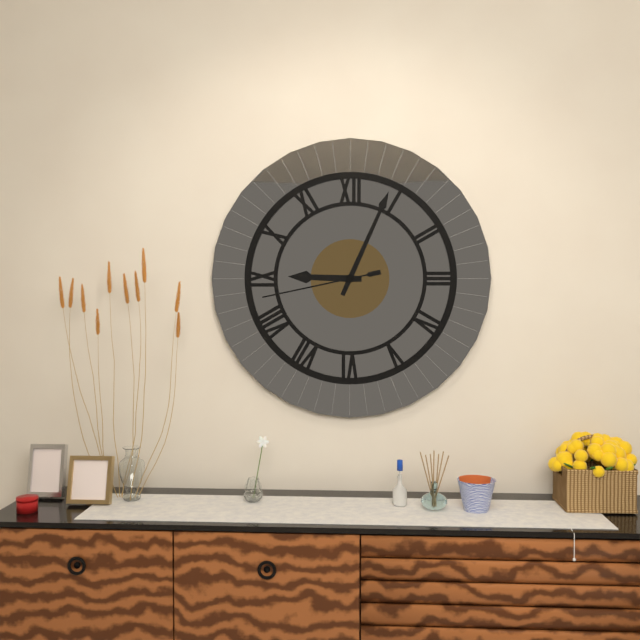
9:04:43
